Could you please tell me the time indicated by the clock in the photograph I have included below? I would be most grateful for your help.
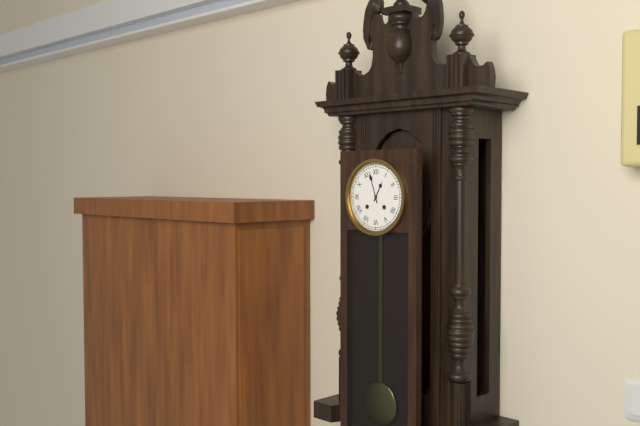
12:57
